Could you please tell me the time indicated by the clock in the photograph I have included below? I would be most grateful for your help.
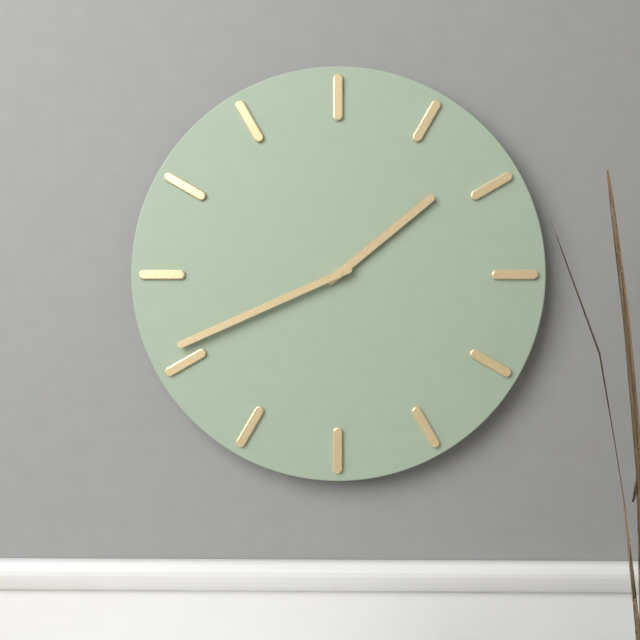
1:41
